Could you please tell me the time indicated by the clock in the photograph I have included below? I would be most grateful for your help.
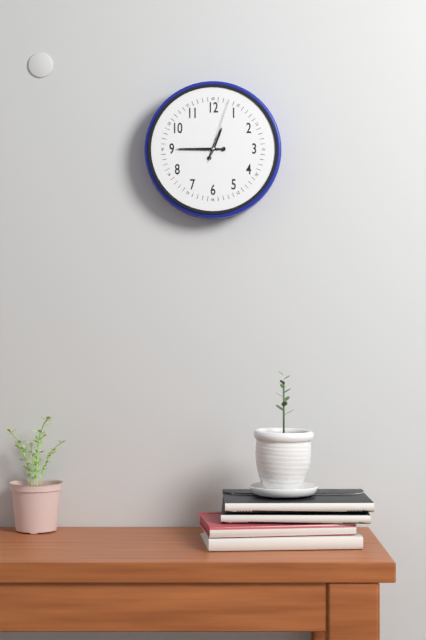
12:45:03
